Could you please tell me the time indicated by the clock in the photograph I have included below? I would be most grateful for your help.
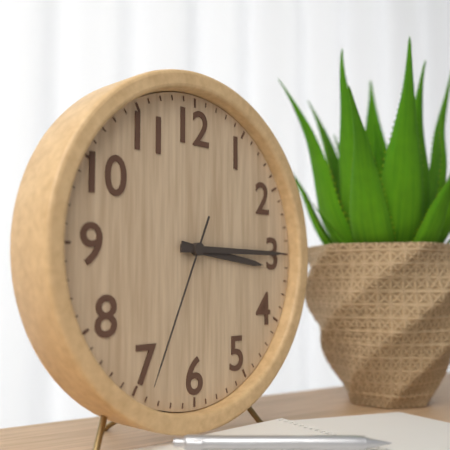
3:15:34
